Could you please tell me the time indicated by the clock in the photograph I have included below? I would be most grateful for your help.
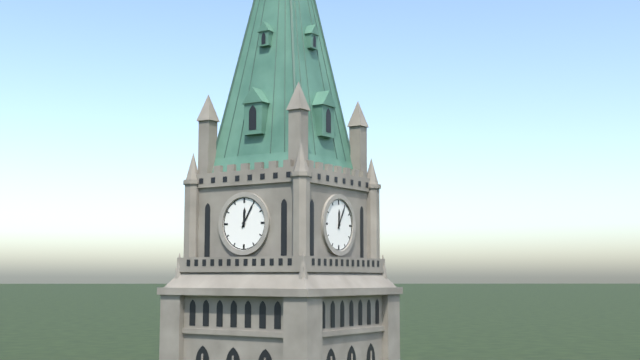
12:05
